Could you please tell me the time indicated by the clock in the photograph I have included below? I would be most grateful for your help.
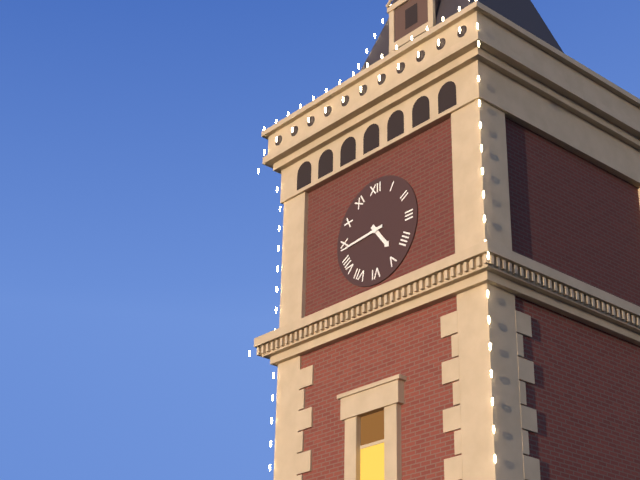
4:44
